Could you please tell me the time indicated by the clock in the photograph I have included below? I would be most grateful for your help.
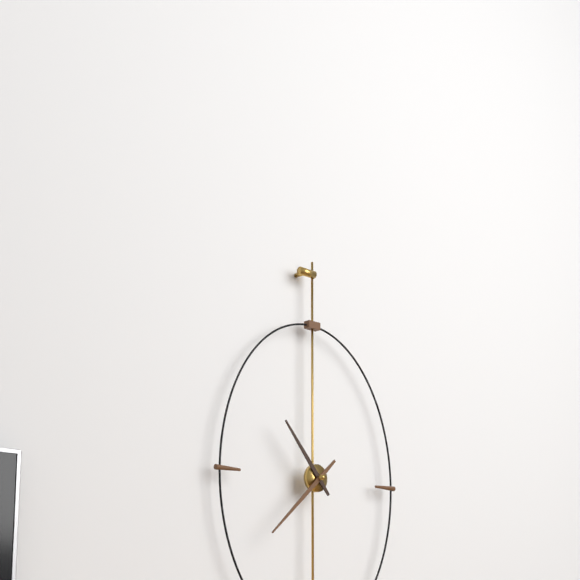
10:38
